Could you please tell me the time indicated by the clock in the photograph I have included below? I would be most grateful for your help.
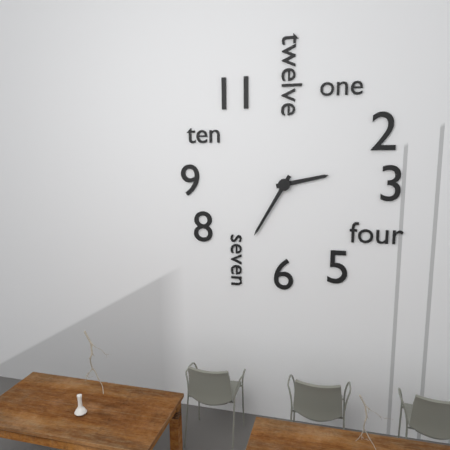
2:35
